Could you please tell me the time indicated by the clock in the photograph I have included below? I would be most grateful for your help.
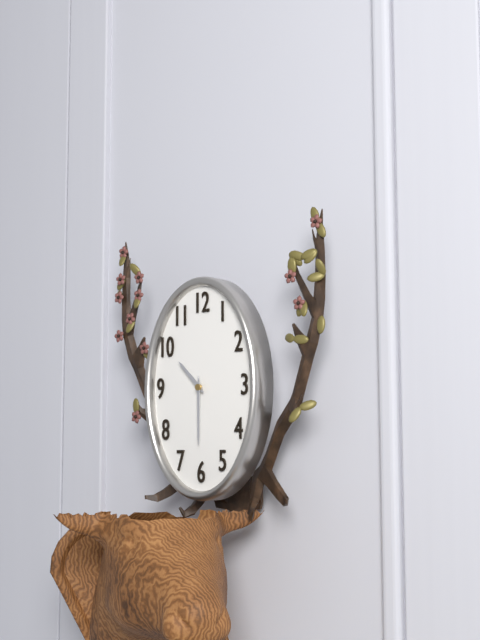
10:30
